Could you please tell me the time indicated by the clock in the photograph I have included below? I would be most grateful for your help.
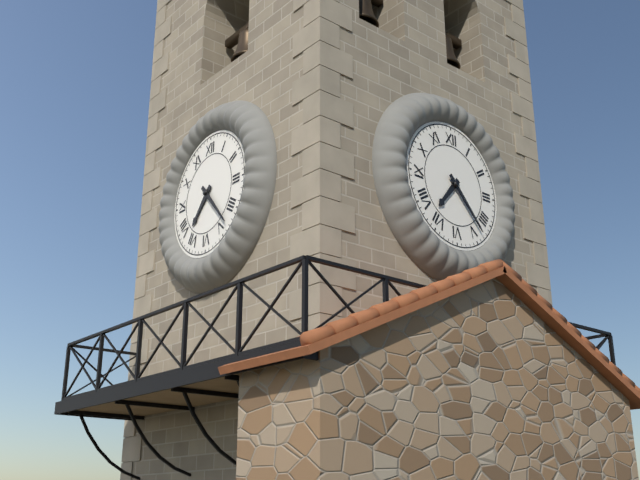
7:23
